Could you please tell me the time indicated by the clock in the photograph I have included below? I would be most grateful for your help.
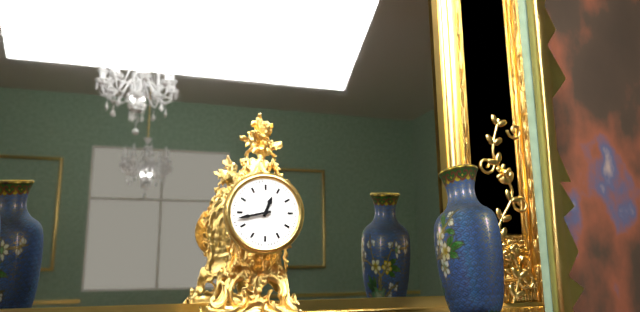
12:43
